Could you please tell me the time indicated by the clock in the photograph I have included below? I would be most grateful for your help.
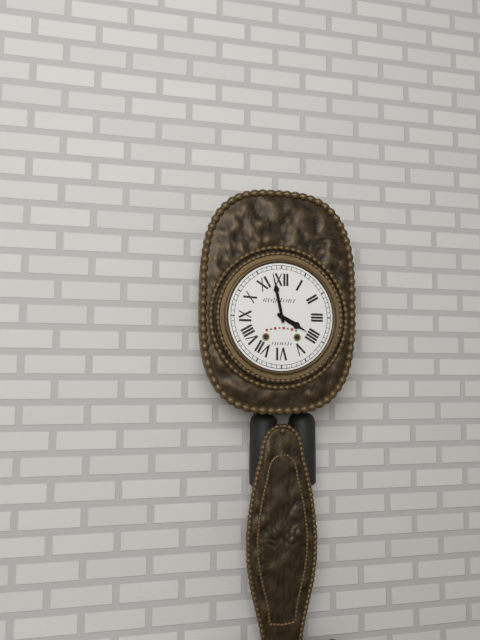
3:58
